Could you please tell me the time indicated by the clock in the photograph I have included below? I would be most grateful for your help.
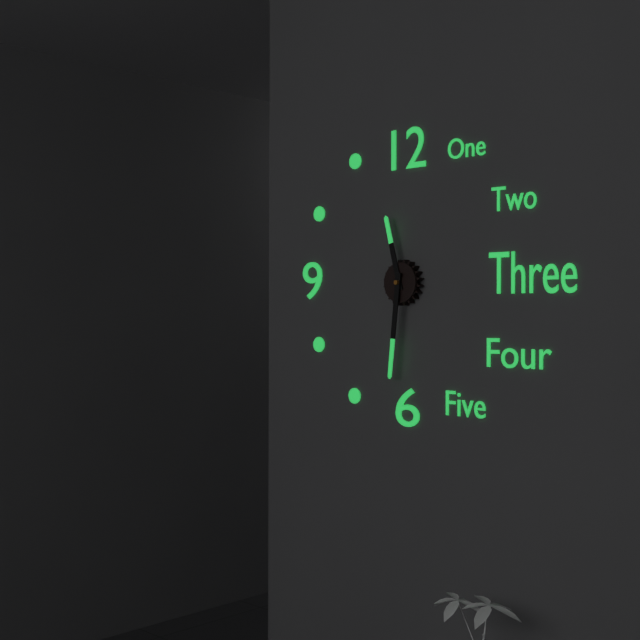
11:31
